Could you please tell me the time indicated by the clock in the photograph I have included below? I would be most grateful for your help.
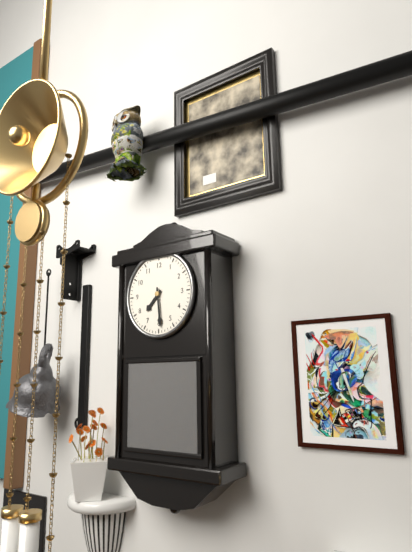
7:29
